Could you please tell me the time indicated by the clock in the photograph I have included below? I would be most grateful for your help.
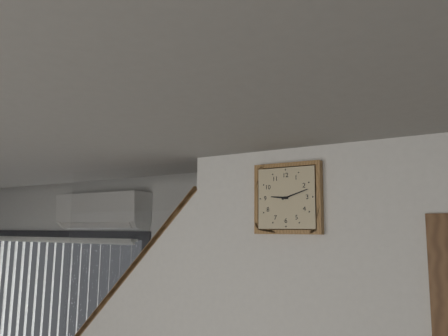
9:12
